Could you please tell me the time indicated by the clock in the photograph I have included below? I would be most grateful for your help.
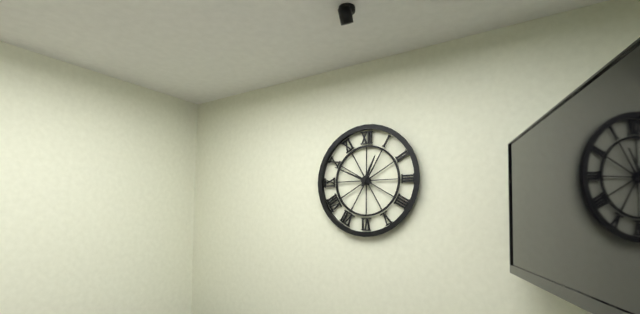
12:49
